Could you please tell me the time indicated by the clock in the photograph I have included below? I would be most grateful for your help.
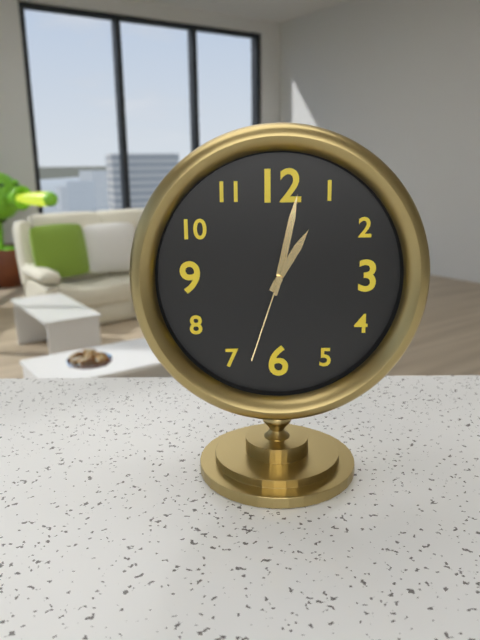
1:02:33
